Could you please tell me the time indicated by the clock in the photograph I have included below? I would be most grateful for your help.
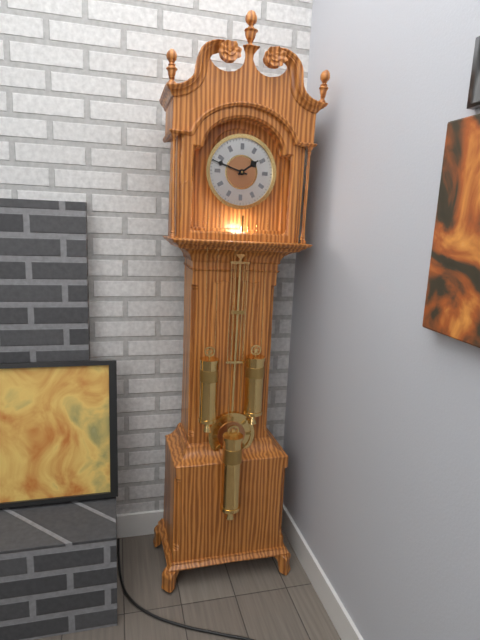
1:48
